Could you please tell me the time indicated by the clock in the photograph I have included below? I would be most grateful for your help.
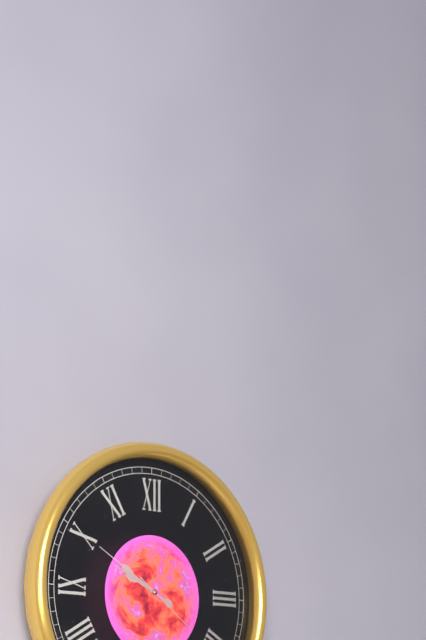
9:50:21
